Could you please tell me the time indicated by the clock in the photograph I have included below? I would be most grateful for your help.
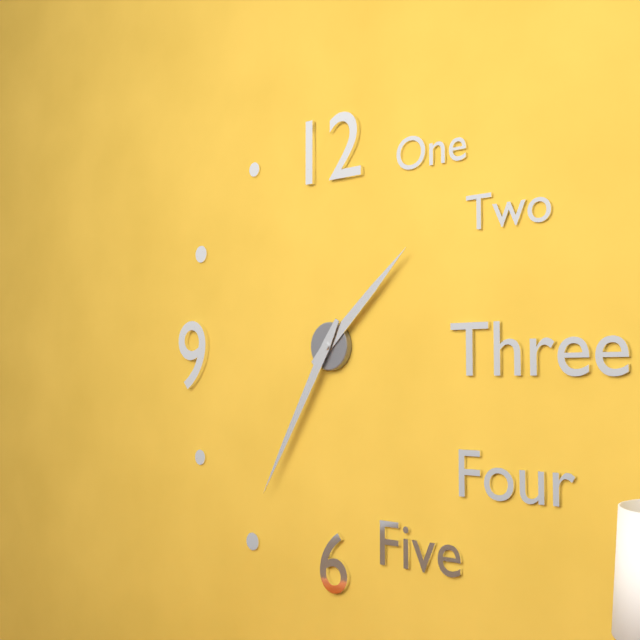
1:35
